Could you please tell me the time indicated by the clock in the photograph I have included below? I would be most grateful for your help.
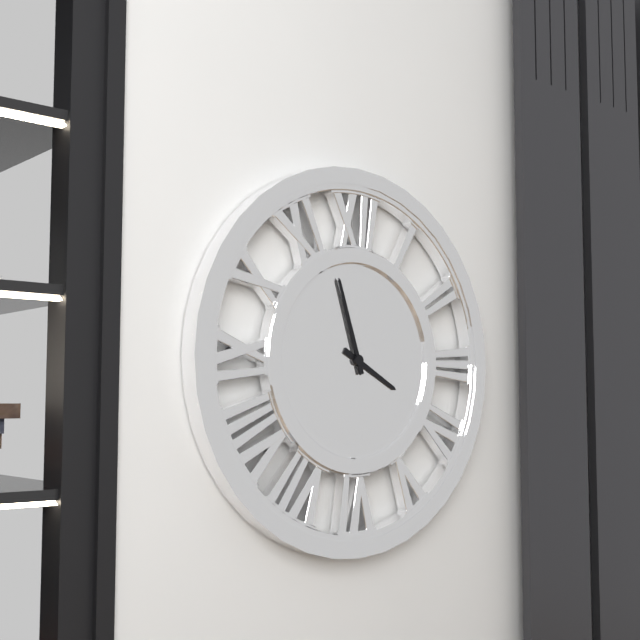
3:57
